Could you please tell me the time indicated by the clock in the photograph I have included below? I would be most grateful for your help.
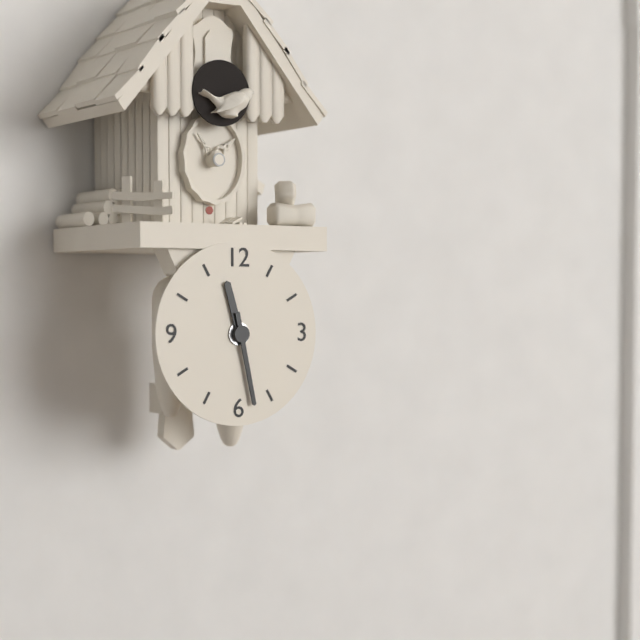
11:28
